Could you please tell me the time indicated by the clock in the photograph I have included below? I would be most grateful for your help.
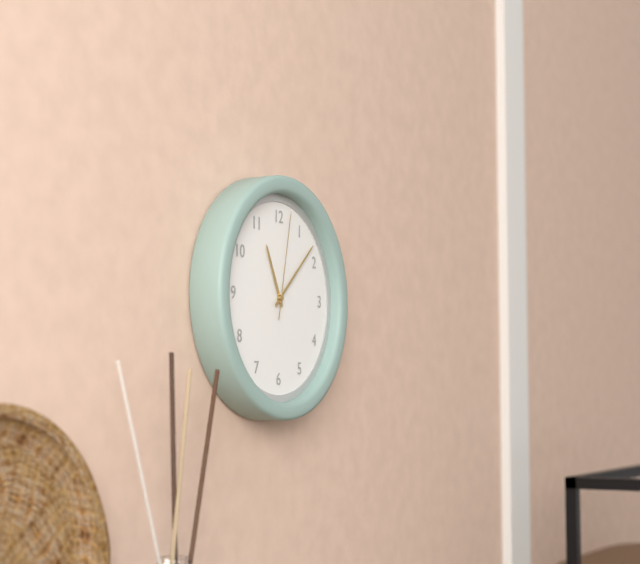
11:08:02
